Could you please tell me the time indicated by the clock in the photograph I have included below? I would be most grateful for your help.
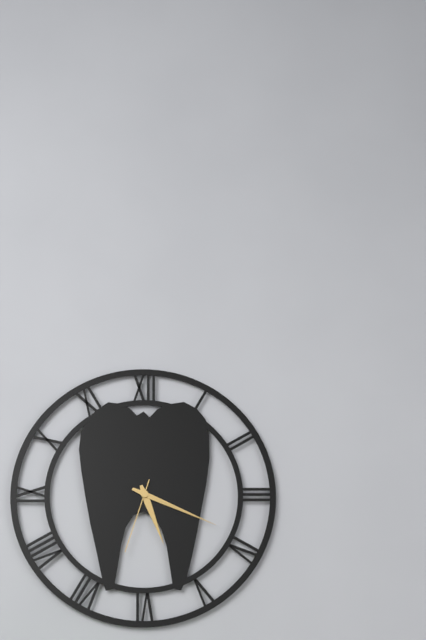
5:19:33
